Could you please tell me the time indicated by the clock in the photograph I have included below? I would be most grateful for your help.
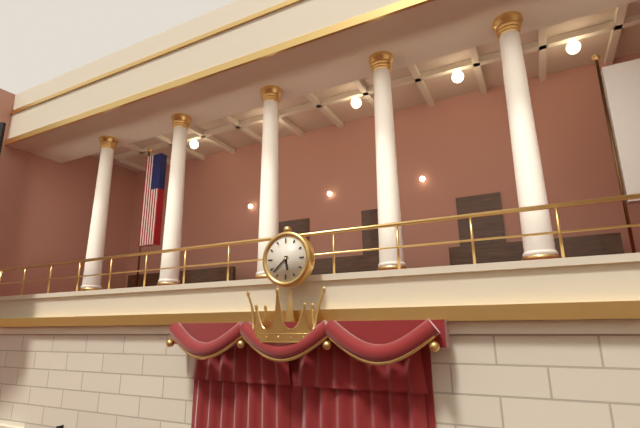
5:38
